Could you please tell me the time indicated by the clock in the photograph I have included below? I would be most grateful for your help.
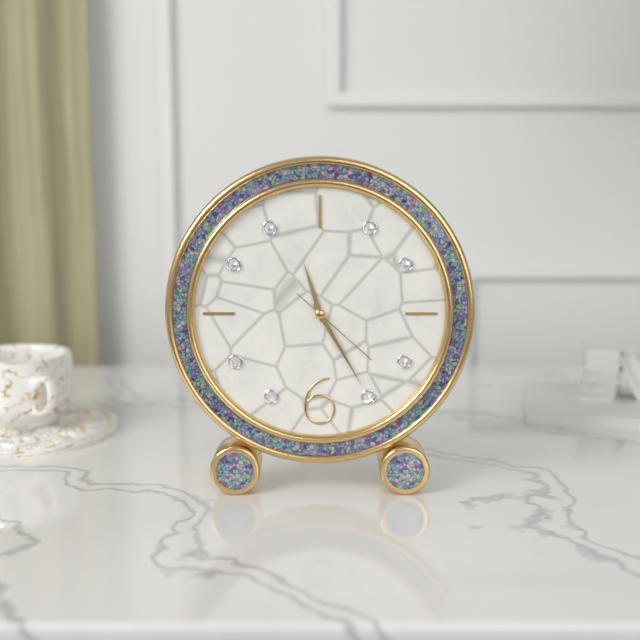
11:25:22
